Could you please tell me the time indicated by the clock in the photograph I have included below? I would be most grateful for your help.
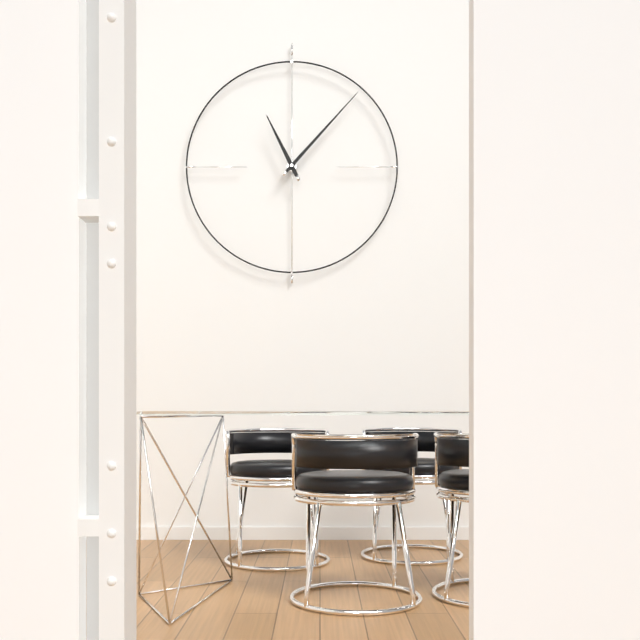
11:07
